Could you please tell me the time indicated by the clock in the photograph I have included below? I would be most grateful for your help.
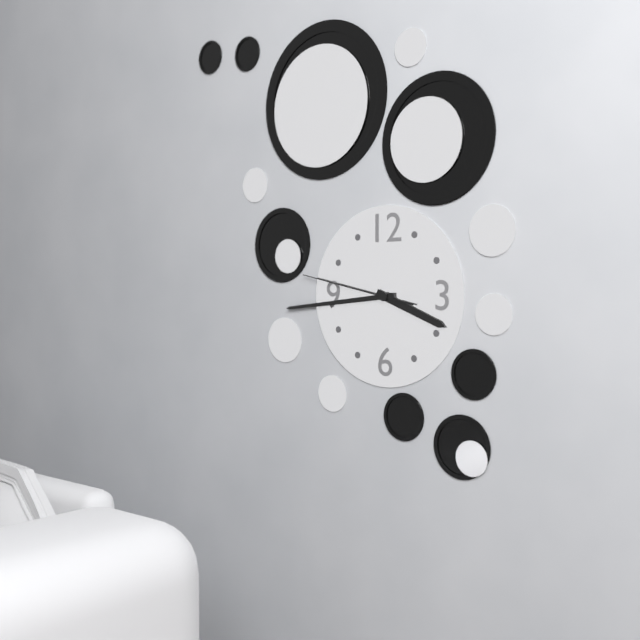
3:44:47
